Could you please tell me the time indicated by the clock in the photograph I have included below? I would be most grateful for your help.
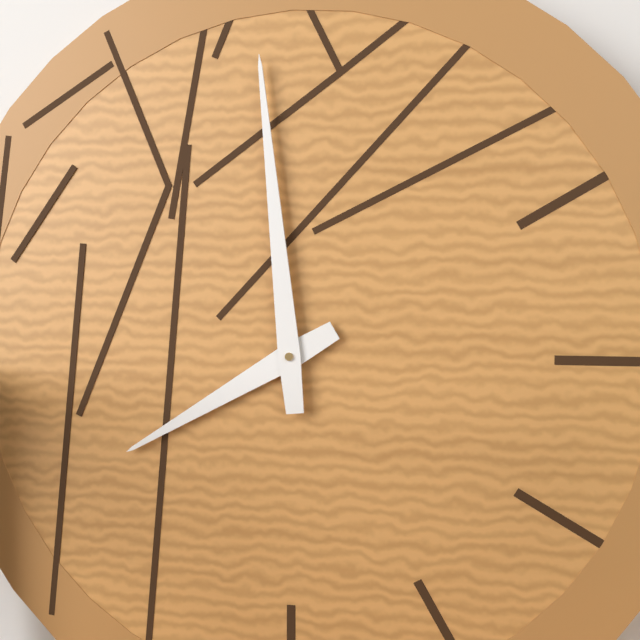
7:59
